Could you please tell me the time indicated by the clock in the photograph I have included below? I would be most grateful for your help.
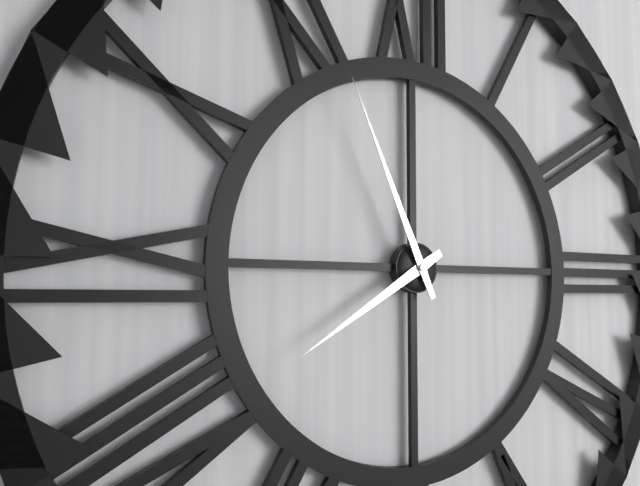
7:56
